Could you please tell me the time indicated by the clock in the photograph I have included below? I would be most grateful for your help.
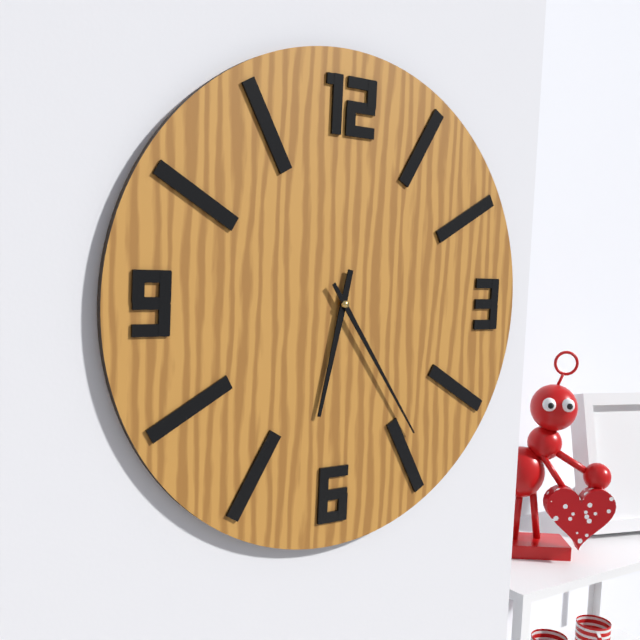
6:24
